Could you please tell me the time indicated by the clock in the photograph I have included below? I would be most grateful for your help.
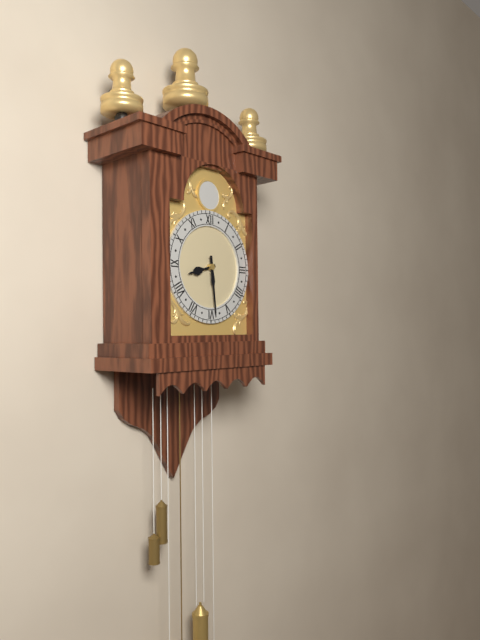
8:29
